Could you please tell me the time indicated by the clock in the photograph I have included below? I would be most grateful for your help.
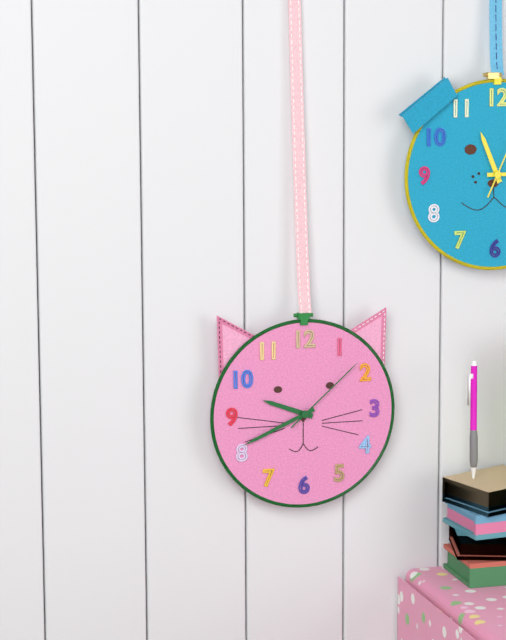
9:41:08
